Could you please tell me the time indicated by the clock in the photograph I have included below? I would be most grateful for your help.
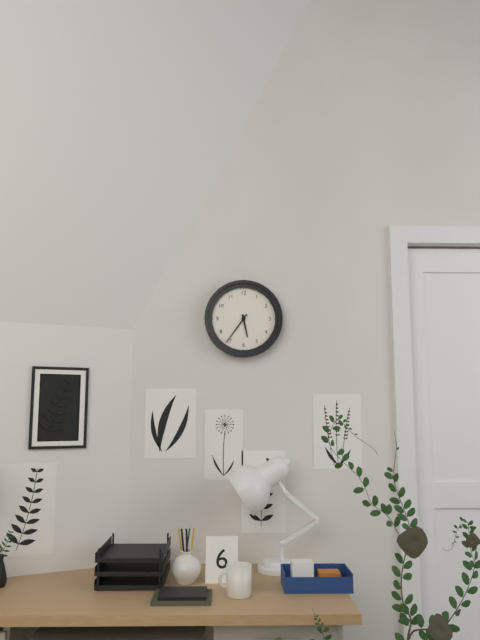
5:36
